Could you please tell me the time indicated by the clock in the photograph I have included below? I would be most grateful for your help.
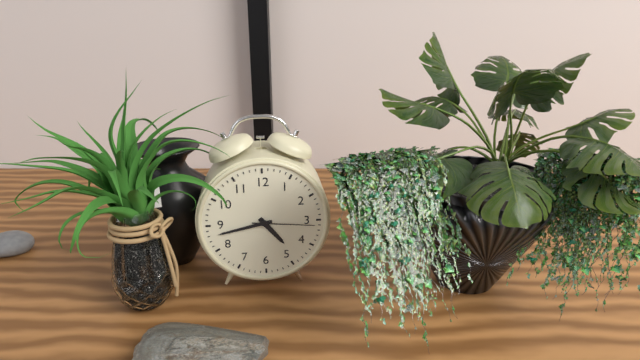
4:43:16
